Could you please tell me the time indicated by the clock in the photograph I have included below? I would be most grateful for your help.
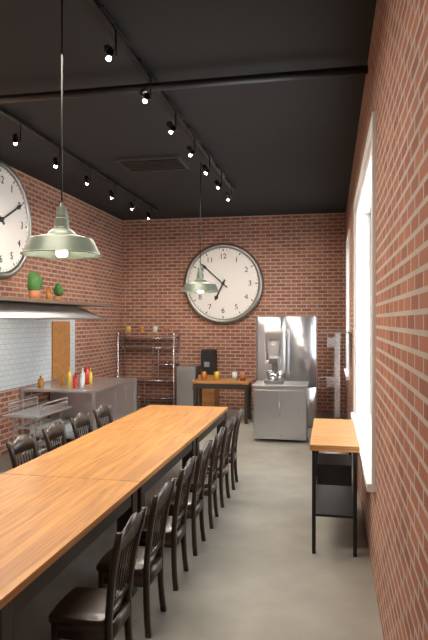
6:52
